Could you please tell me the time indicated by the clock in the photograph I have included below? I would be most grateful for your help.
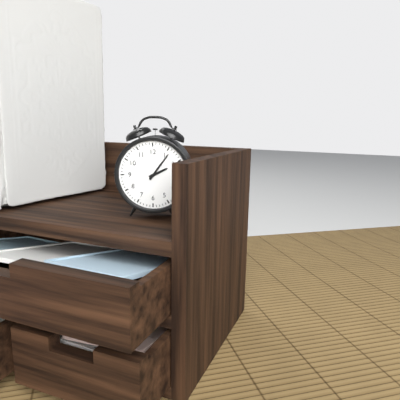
2:06
